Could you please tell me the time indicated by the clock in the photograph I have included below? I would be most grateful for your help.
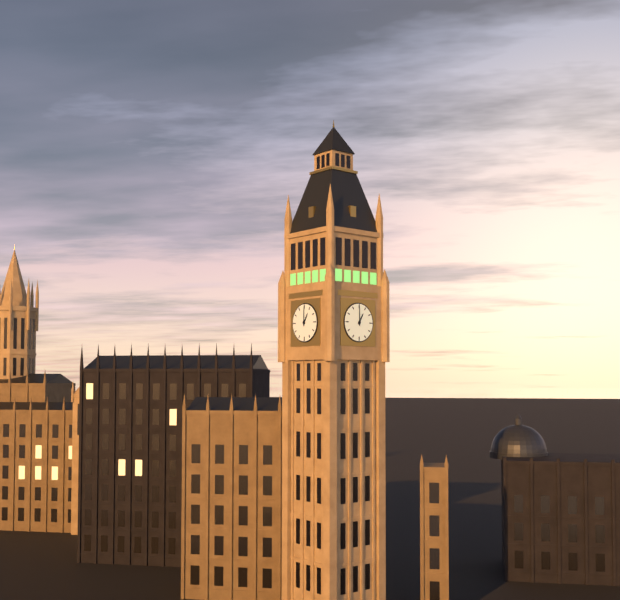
1:00
